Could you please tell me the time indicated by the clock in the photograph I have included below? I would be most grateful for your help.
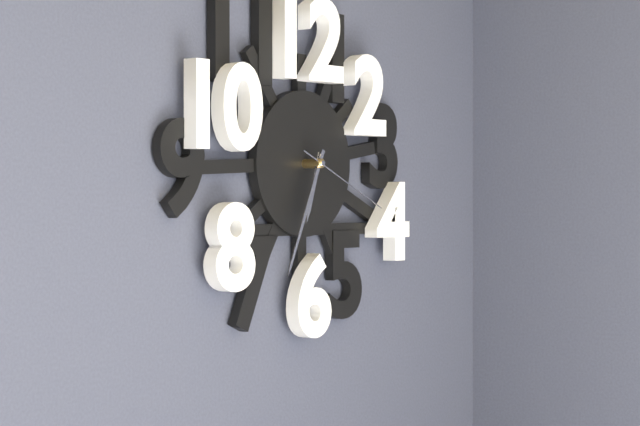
6:34:19
